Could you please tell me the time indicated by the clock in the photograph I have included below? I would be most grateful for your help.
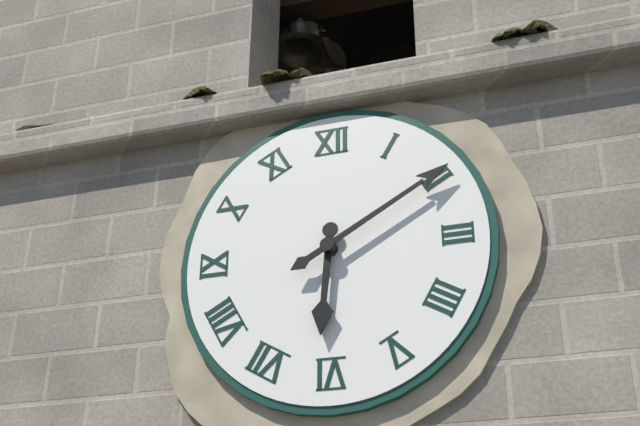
6:10
